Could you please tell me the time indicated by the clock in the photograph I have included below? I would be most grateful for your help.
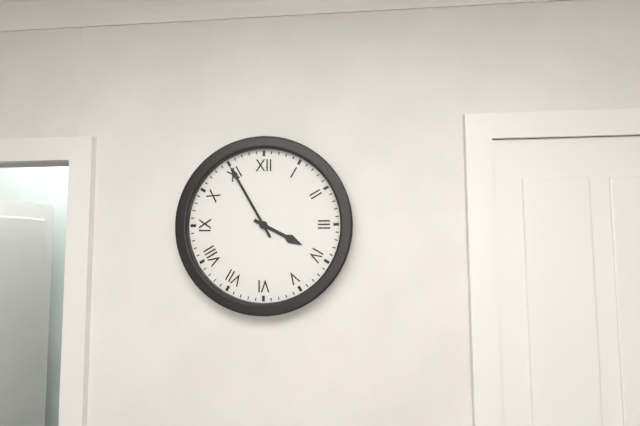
3:55
